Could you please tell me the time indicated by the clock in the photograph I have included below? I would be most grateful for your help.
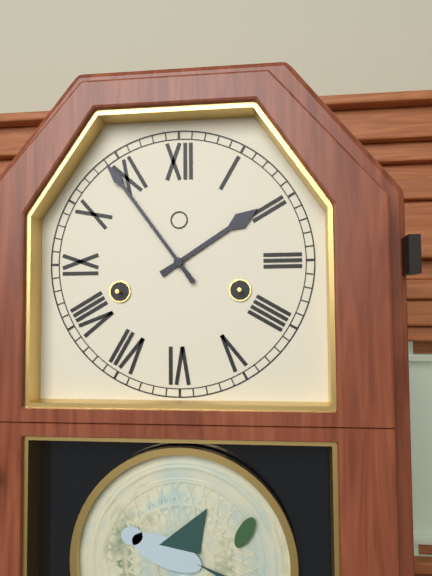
1:54
